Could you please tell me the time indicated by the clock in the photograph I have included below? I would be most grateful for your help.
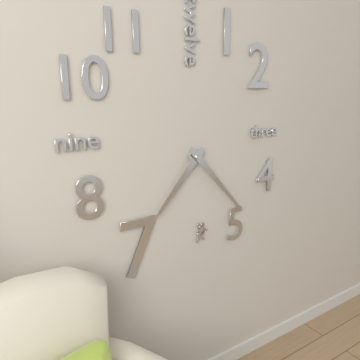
7:23
